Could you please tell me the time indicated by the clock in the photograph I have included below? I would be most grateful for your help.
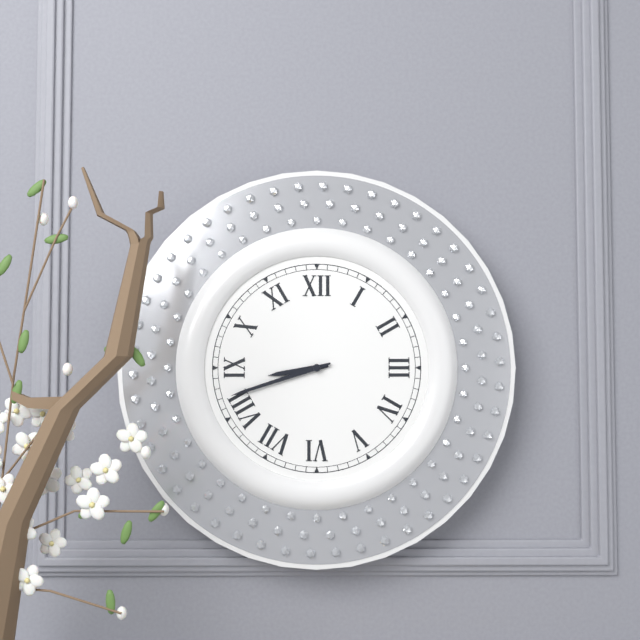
8:42
